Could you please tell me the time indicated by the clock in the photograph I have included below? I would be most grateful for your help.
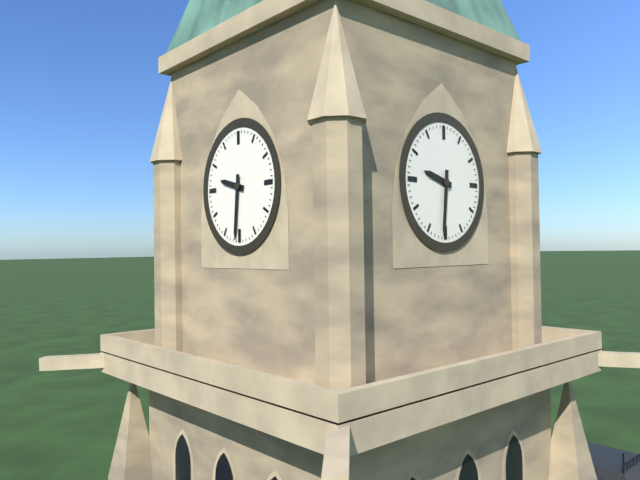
9:31
